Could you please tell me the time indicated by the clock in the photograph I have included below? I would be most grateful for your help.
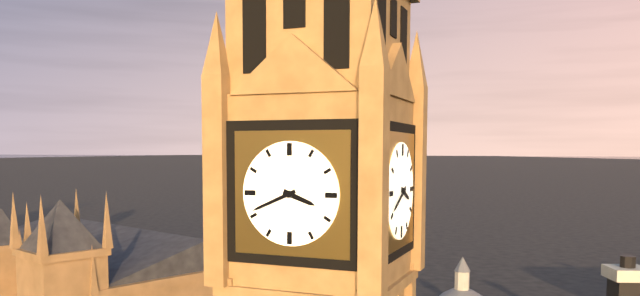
3:41
